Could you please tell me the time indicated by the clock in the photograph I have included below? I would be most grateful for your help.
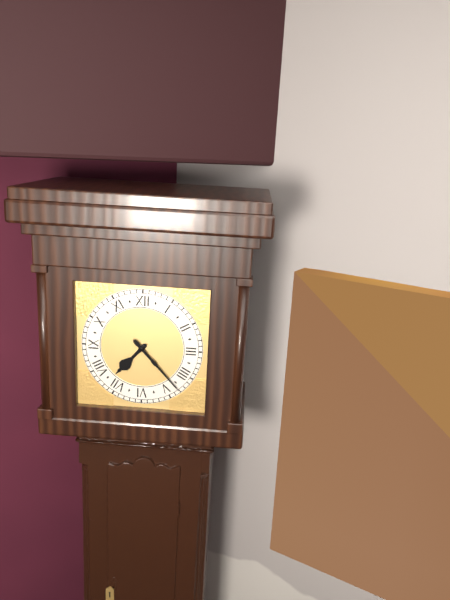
7:23
